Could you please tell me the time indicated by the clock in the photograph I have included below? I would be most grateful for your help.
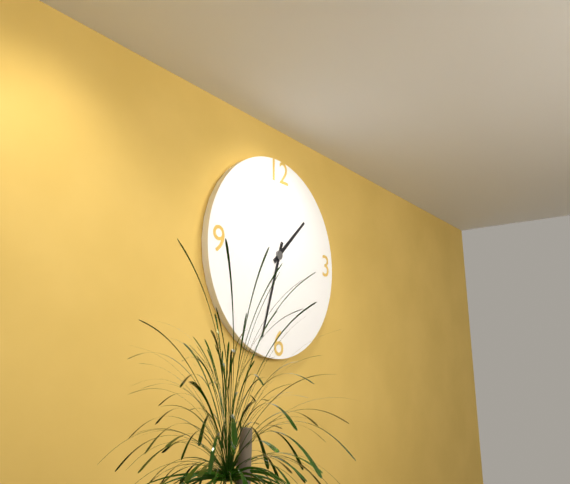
1:33
